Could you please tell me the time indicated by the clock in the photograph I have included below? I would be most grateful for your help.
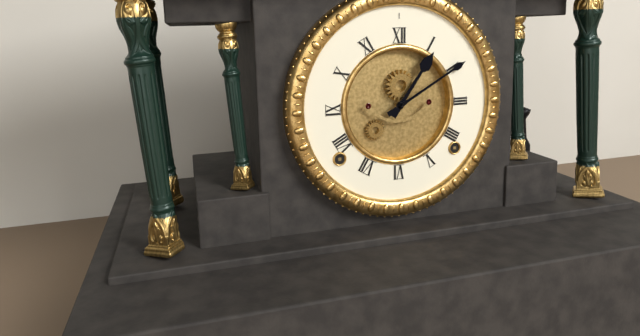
1:10
